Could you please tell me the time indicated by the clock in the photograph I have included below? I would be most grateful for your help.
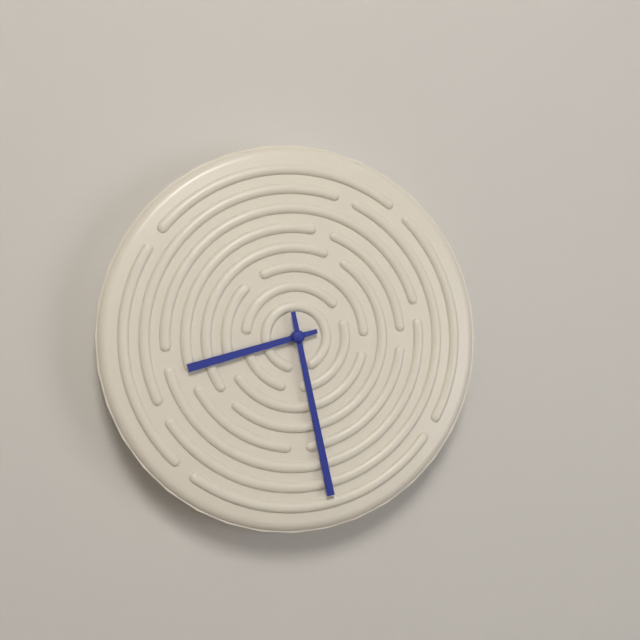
8:28
